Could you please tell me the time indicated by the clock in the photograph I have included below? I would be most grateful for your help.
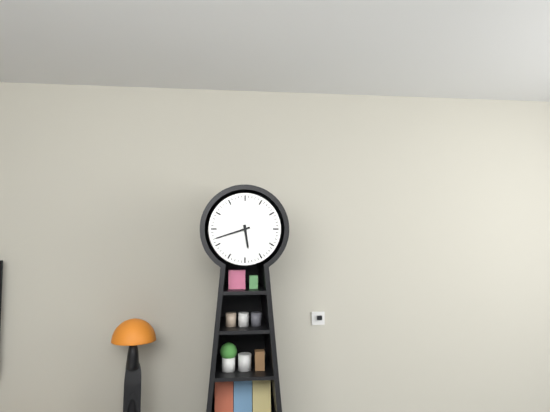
5:42
